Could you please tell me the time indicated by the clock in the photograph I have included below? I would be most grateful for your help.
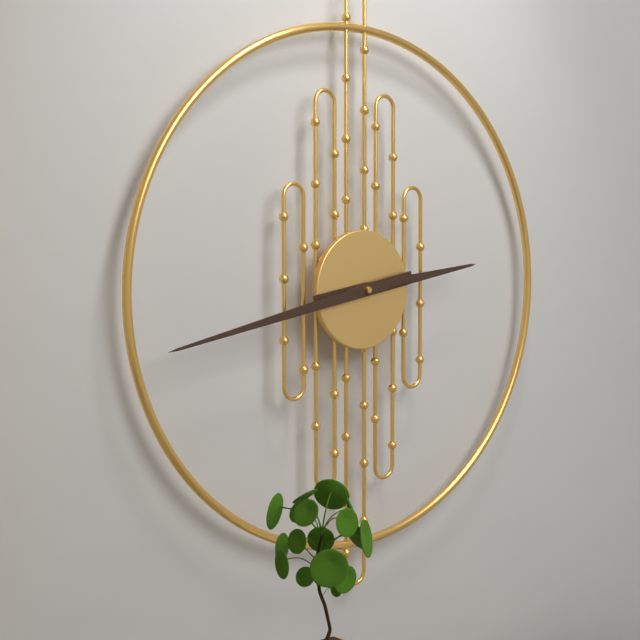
2:43
